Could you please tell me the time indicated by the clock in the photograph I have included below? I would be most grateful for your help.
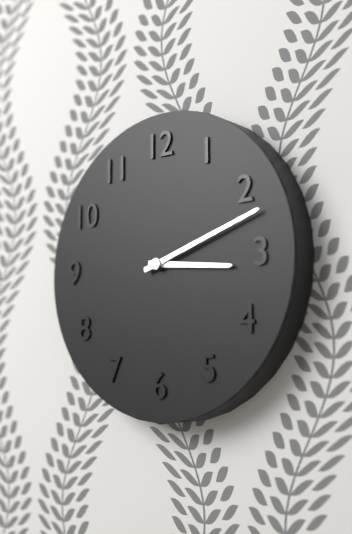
3:12
